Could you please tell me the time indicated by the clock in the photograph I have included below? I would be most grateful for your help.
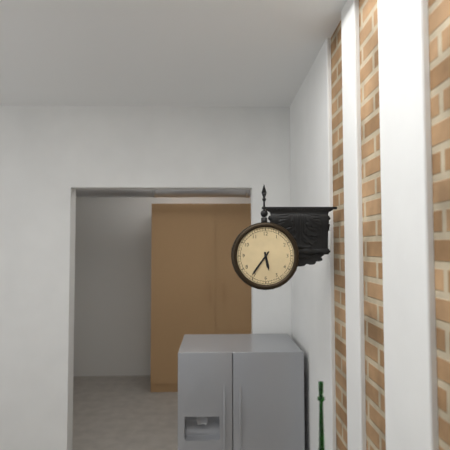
5:36
